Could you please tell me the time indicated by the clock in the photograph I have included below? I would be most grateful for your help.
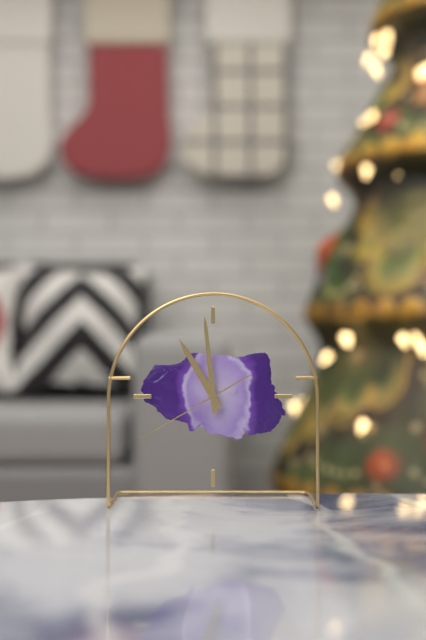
10:59:40
